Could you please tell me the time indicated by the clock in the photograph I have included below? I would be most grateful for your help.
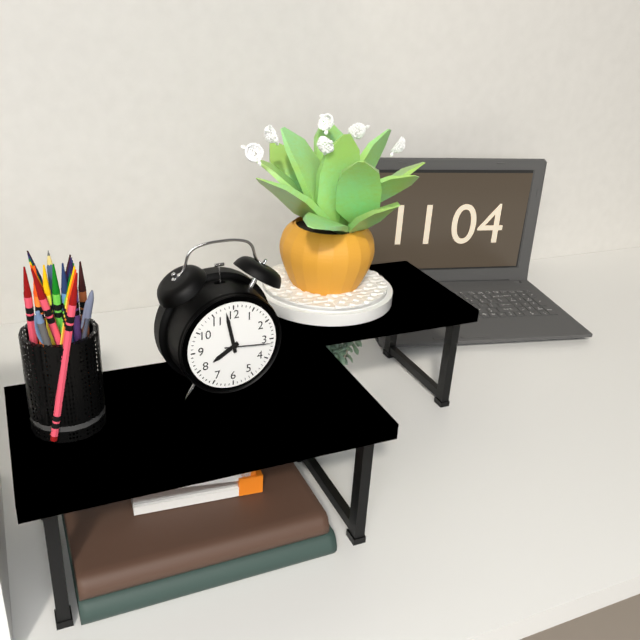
7:58
